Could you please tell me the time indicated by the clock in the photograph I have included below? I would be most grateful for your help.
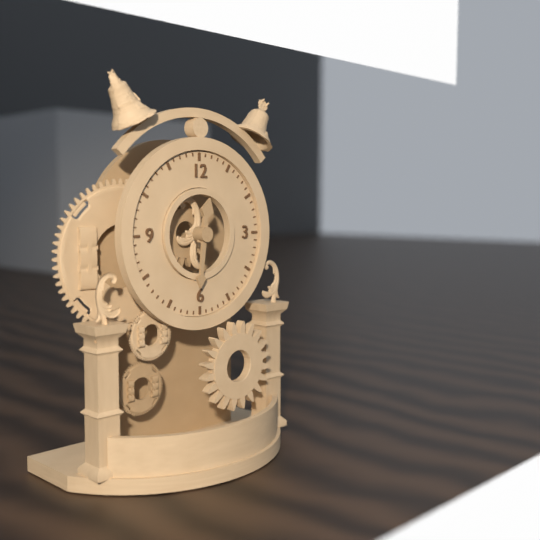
12:31
